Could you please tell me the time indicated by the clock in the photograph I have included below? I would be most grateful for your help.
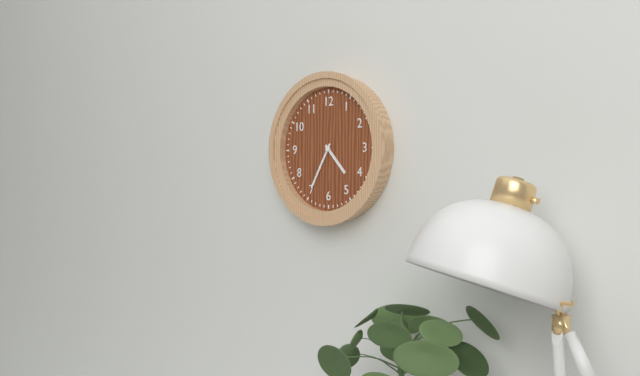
4:35
